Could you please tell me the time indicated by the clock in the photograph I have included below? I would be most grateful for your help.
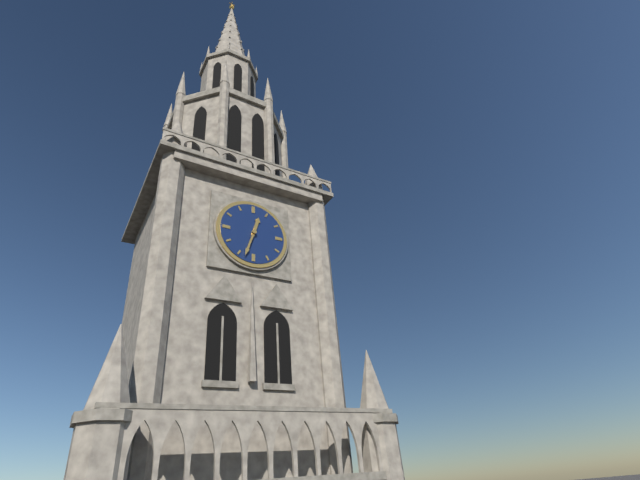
12:33
